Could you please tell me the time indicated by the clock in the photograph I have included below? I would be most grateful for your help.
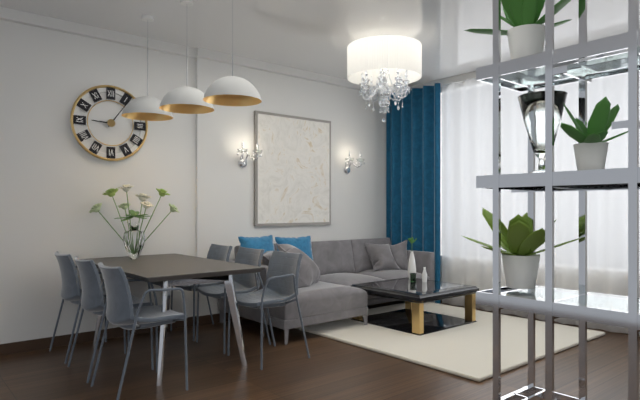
9:06
